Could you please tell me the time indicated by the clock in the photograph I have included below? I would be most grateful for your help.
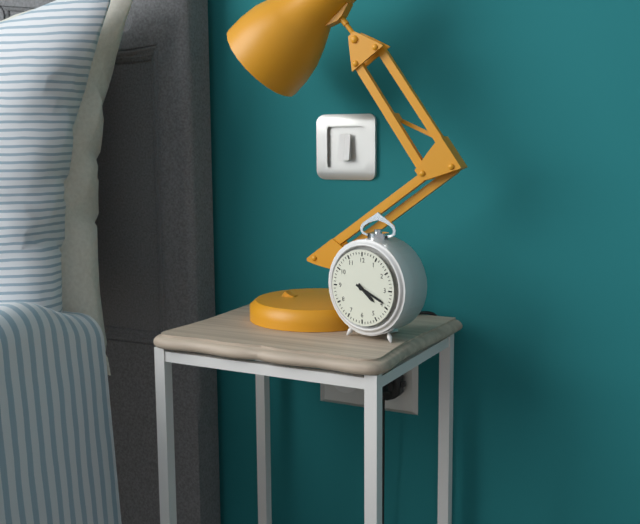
4:19
